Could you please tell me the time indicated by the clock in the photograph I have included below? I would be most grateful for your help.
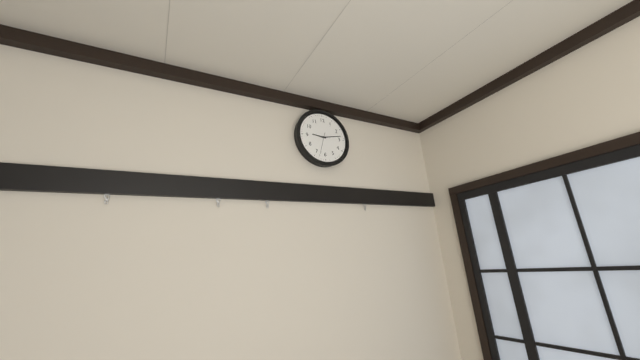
9:13
